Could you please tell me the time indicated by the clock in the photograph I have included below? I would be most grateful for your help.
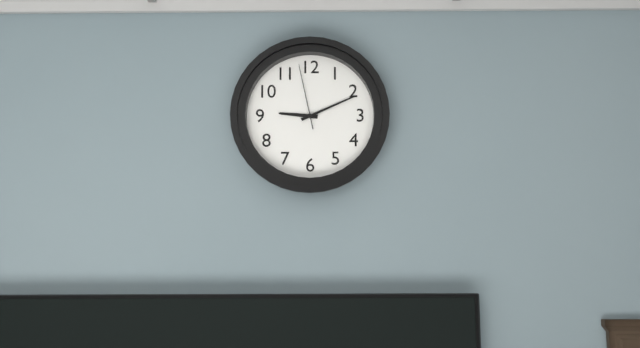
9:11:58
